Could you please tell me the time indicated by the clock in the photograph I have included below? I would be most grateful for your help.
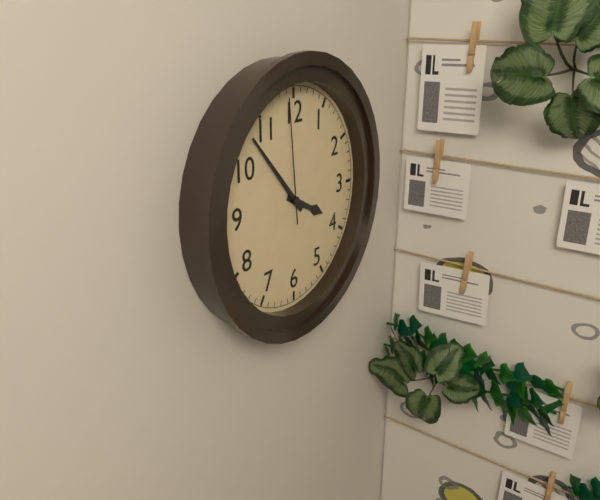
3:53:59
